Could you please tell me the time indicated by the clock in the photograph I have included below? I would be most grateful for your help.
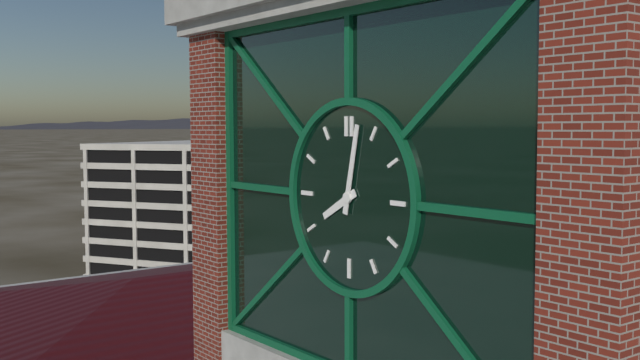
8:02
